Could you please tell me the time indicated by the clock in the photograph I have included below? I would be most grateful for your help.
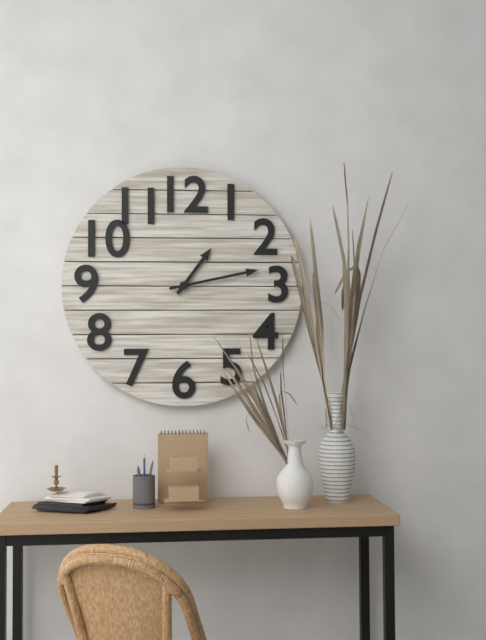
1:13
